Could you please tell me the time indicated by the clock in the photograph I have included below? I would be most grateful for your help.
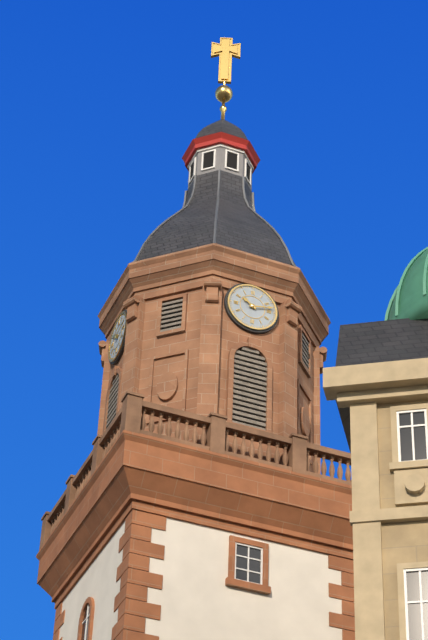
10:13
